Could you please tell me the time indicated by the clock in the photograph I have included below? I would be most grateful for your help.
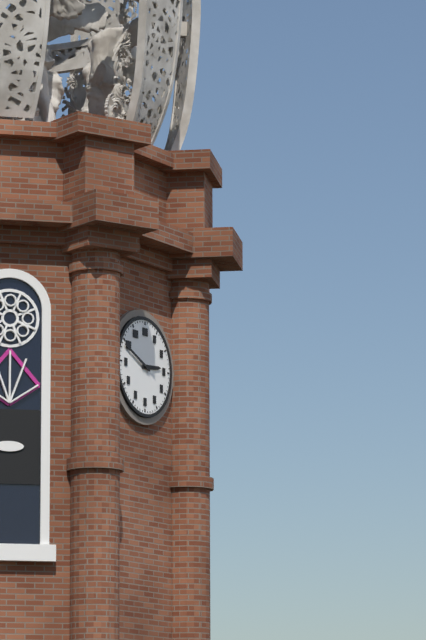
2:49
